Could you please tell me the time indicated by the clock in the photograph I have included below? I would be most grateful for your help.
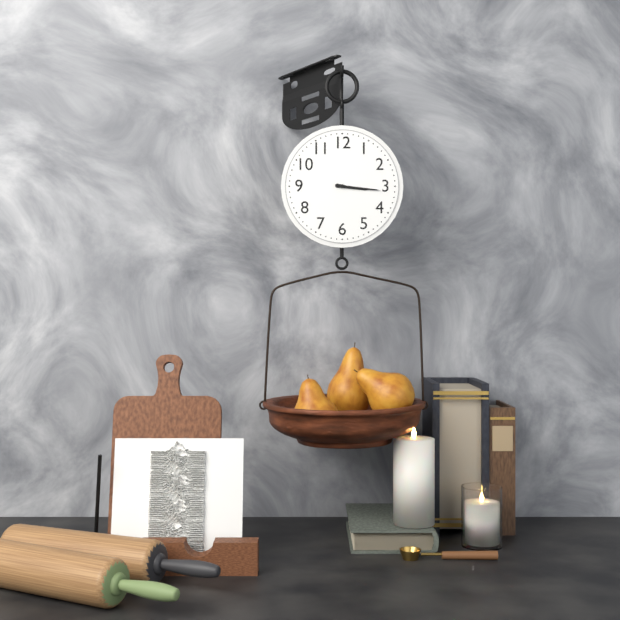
3:16
